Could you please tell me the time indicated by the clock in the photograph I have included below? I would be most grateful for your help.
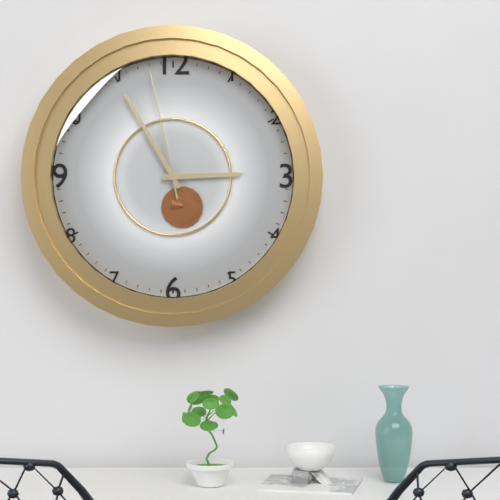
2:55:58
